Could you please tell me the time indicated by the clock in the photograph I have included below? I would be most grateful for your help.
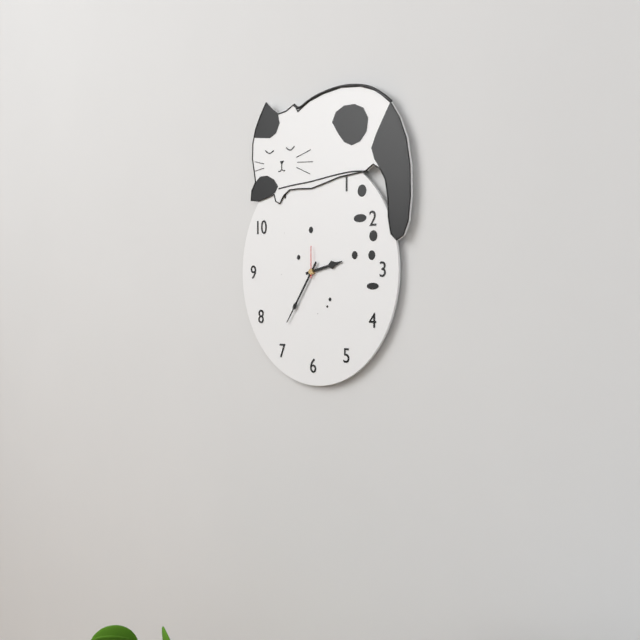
2:36
